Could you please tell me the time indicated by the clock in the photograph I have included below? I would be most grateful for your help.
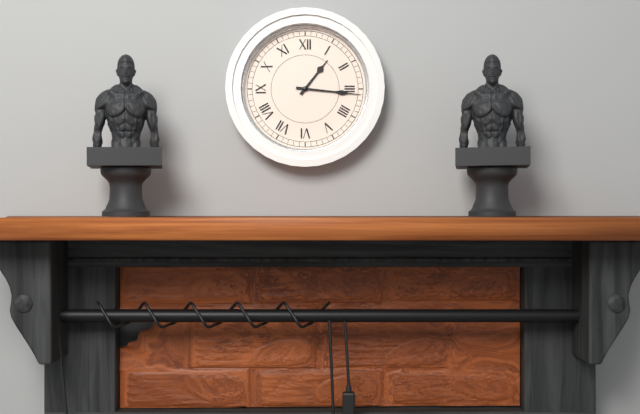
1:16
